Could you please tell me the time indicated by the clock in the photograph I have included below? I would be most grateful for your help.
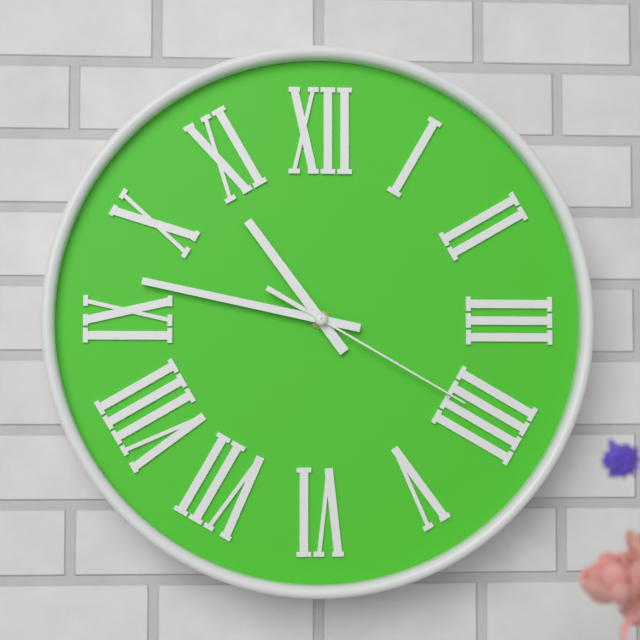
10:47:20
